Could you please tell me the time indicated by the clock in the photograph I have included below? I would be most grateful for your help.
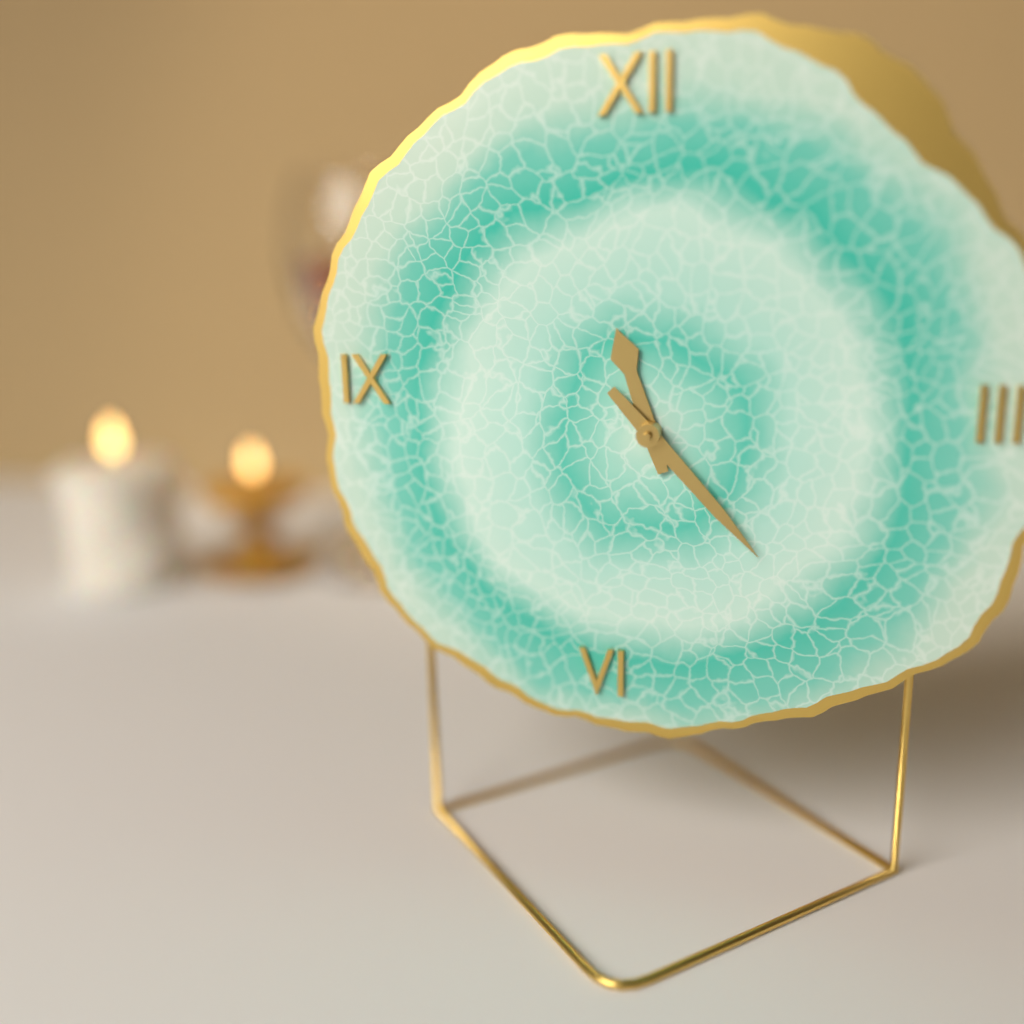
11:23
